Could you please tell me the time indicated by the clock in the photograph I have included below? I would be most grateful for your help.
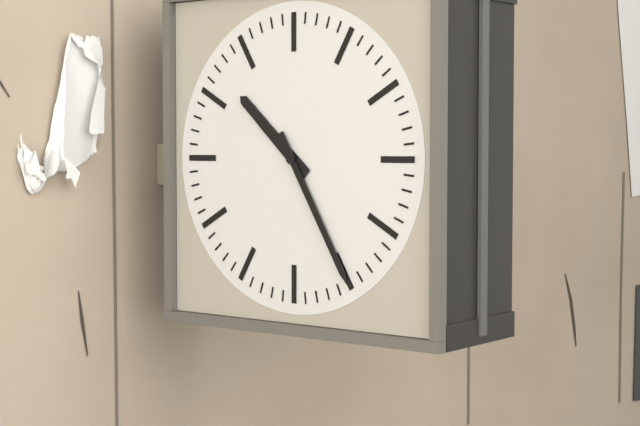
10:25
